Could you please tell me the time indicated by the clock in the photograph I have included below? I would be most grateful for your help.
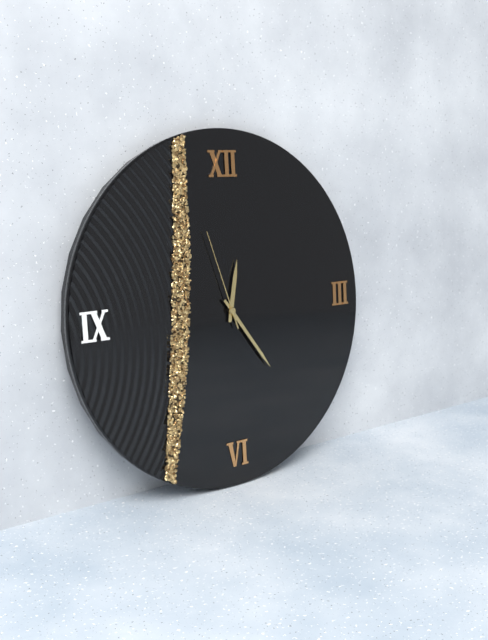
12:24:57
